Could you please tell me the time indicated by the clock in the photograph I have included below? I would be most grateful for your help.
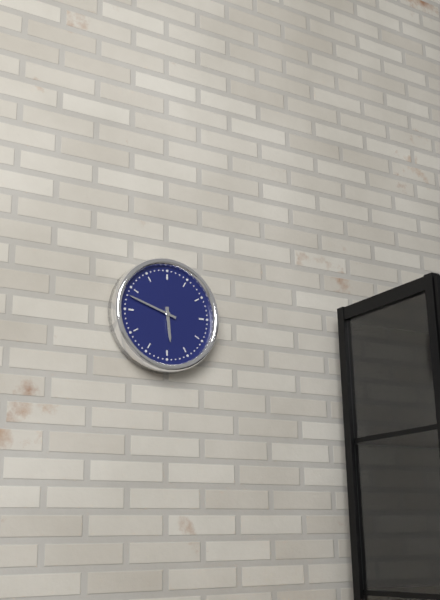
5:48
